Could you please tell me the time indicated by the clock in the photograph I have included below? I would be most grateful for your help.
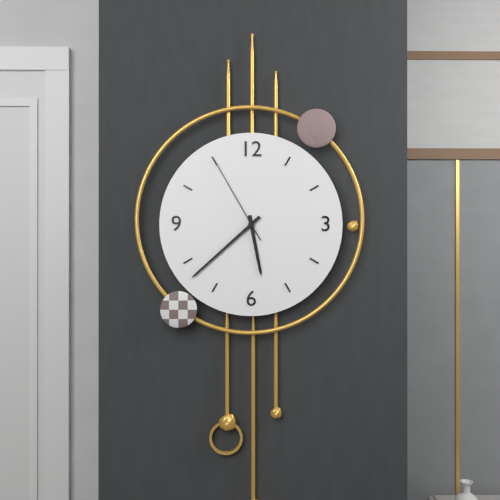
5:38:55
